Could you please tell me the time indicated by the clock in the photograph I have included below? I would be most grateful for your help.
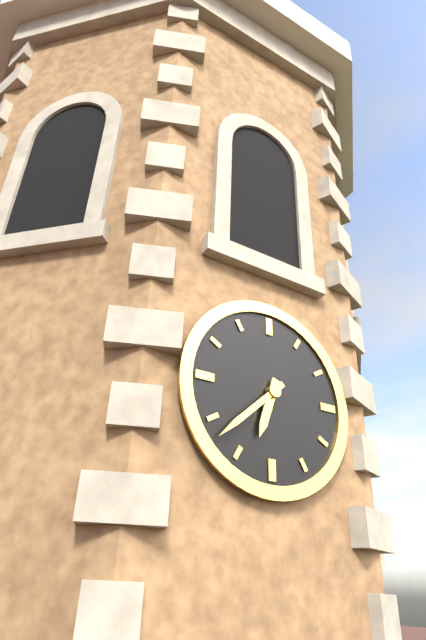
6:38
